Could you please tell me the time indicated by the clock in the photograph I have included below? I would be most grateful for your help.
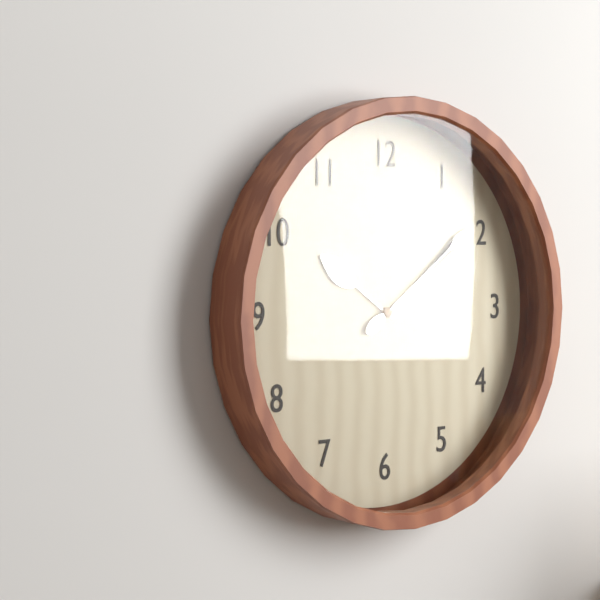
10:09
